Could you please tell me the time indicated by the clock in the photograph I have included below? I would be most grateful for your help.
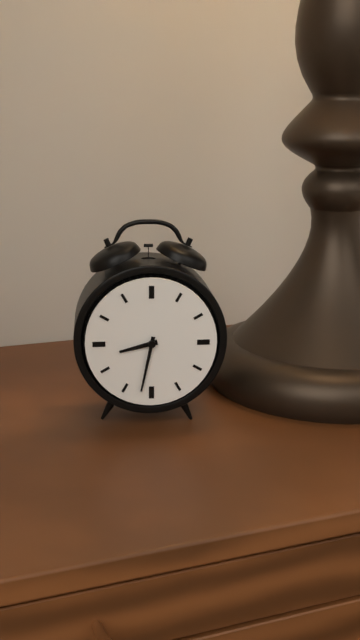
8:32
